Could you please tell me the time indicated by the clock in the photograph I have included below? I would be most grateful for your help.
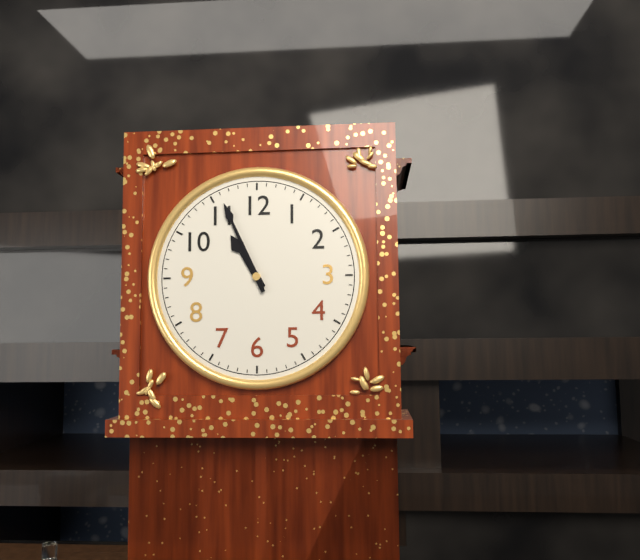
10:56
